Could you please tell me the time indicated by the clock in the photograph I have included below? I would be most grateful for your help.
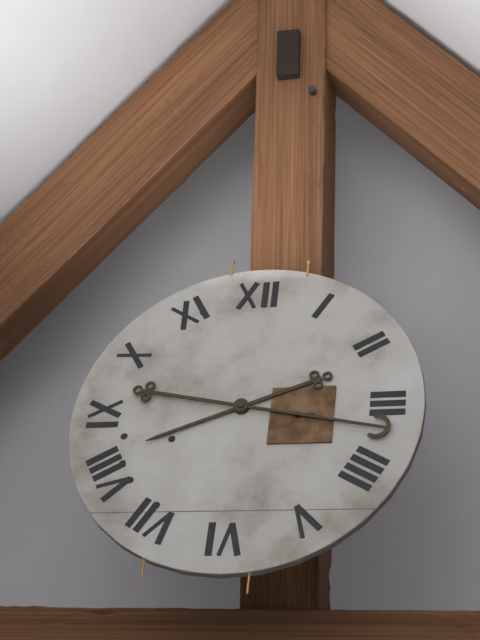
8:17
